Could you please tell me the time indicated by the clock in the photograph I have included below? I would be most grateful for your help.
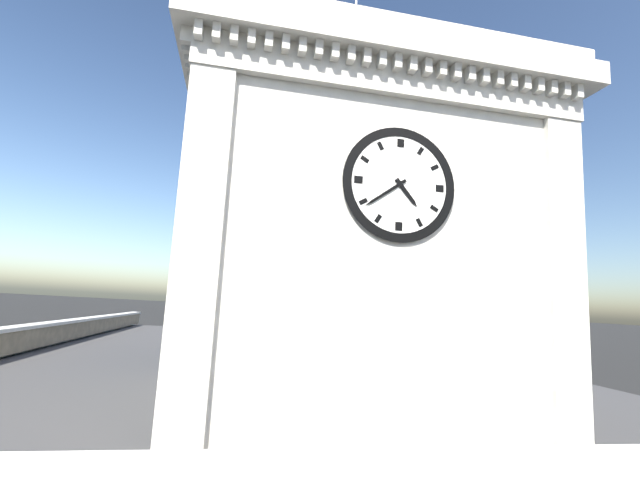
4:39
